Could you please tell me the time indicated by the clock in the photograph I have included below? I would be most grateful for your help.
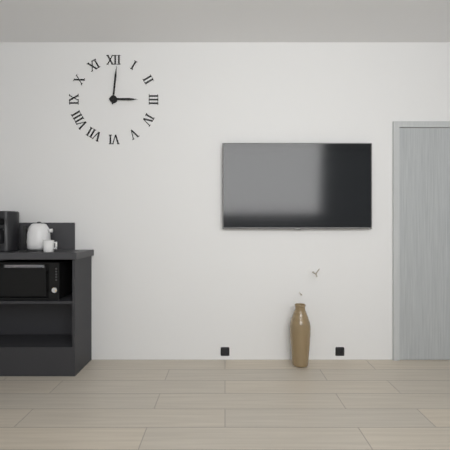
3:01
